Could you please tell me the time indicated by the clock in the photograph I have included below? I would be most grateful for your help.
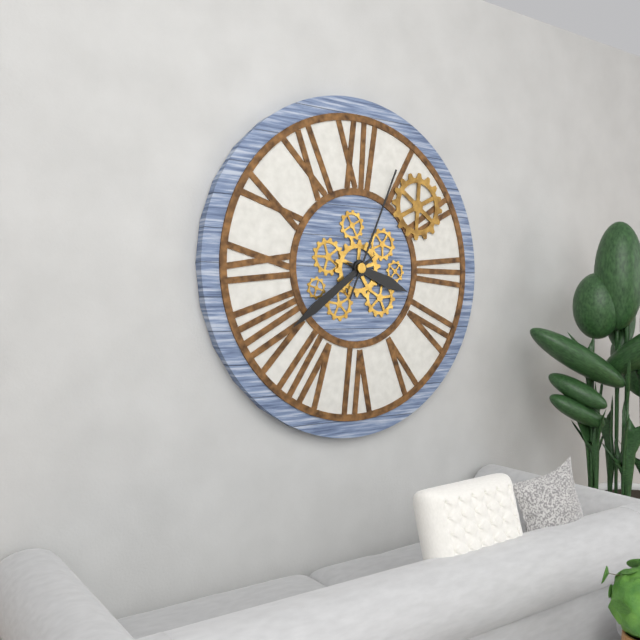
3:39:04
